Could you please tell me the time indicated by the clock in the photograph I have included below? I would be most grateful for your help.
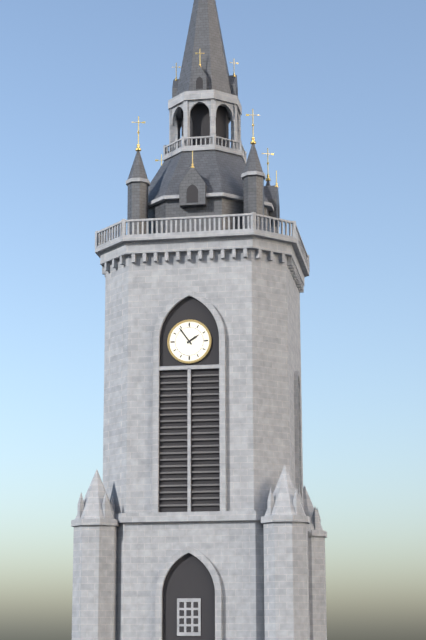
1:54
